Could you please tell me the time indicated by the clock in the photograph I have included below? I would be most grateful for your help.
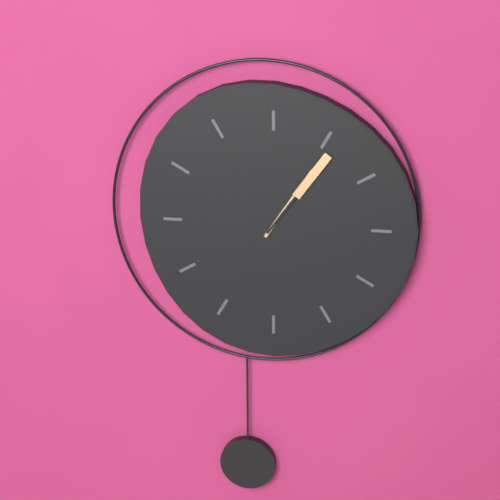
1:06
